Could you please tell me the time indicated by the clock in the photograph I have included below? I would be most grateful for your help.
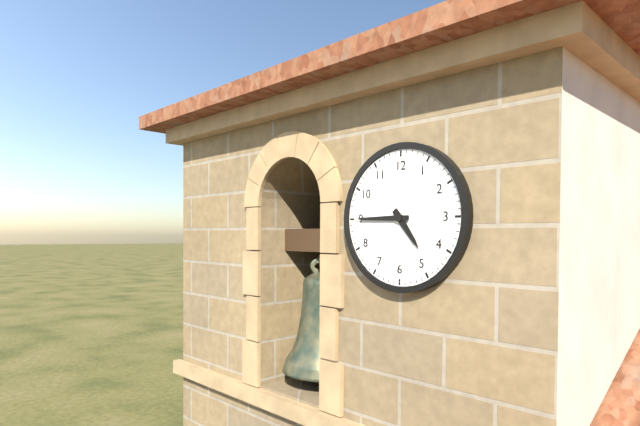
4:45
